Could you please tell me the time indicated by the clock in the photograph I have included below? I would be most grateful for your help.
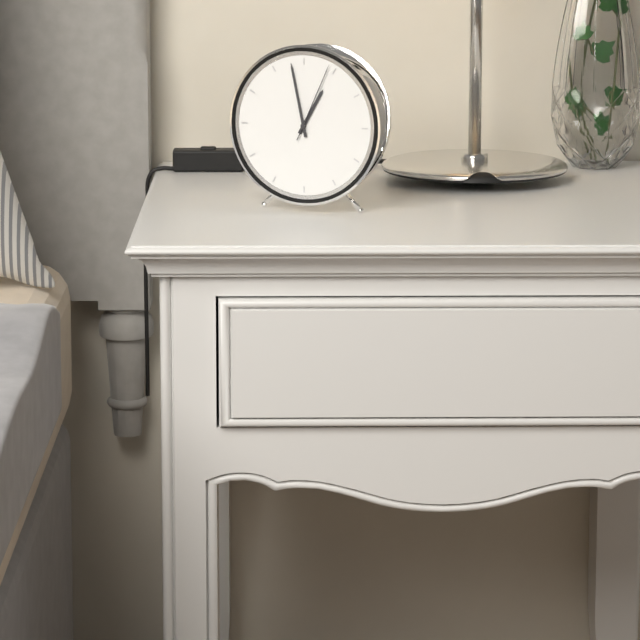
12:58:04
